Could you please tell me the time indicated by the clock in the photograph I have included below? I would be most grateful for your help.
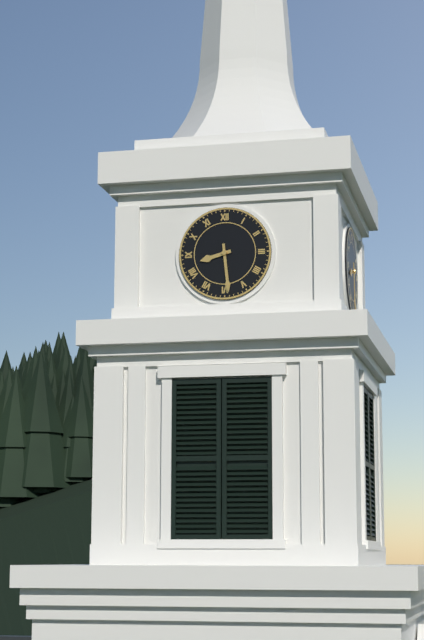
8:29
